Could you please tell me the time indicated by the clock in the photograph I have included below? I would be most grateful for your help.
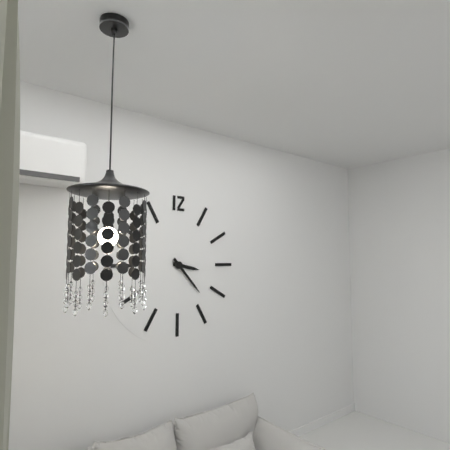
3:23
